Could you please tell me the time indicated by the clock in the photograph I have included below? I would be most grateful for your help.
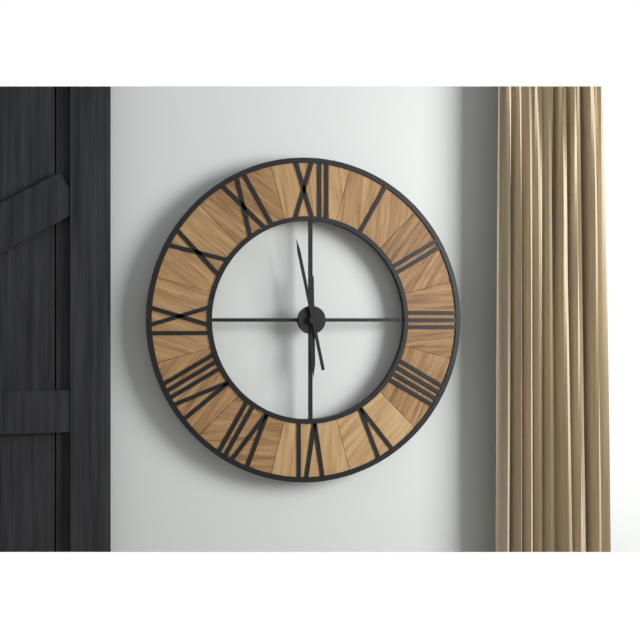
5:58
